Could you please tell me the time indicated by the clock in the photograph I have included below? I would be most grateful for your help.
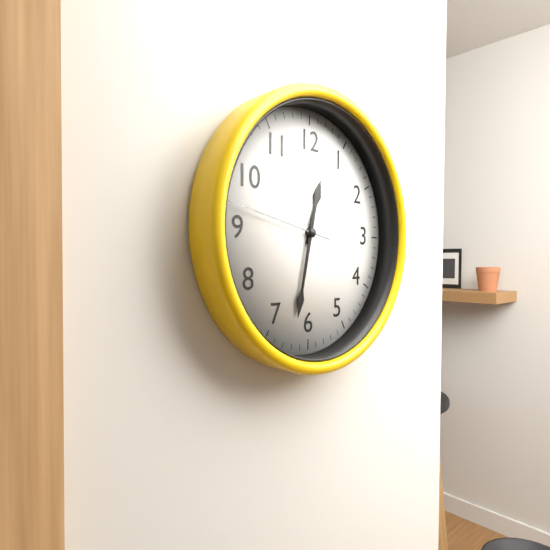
12:32:47
